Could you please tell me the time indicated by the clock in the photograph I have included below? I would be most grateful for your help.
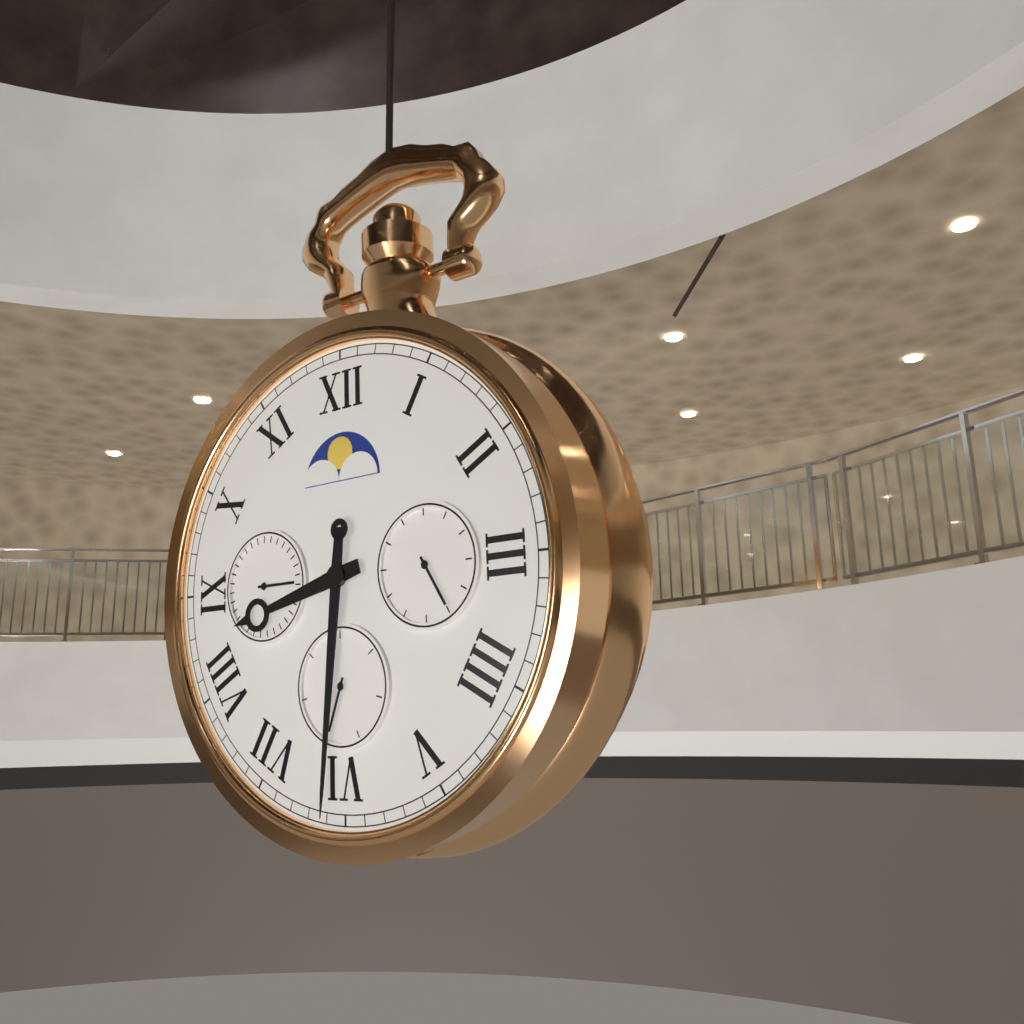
8:31
